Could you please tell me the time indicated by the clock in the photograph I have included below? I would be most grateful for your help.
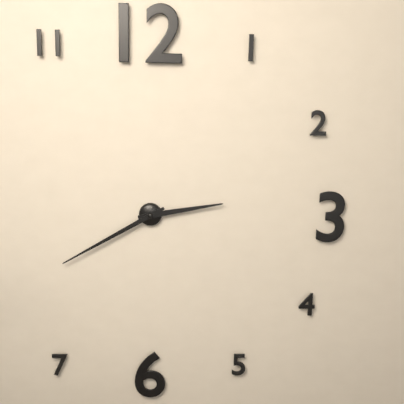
2:40
